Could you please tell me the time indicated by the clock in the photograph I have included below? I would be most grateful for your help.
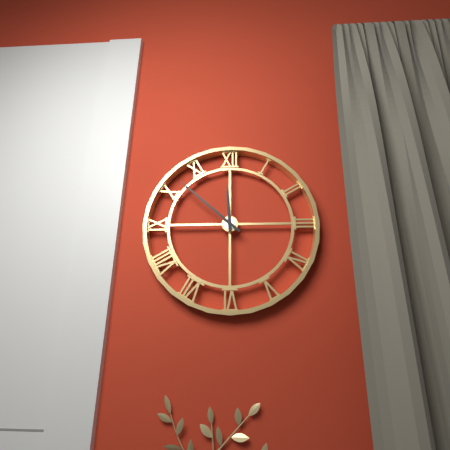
11:52
